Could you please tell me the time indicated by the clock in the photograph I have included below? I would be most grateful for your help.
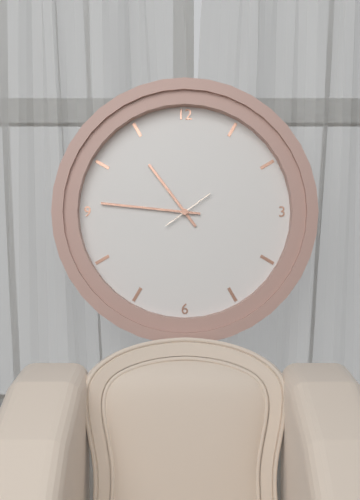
10:46
